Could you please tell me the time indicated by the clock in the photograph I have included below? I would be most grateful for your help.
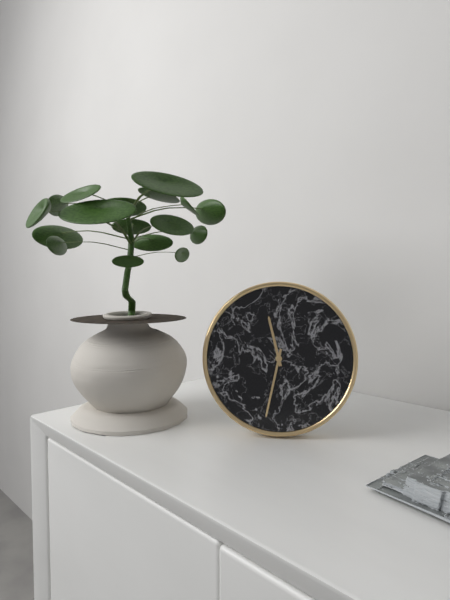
11:32
